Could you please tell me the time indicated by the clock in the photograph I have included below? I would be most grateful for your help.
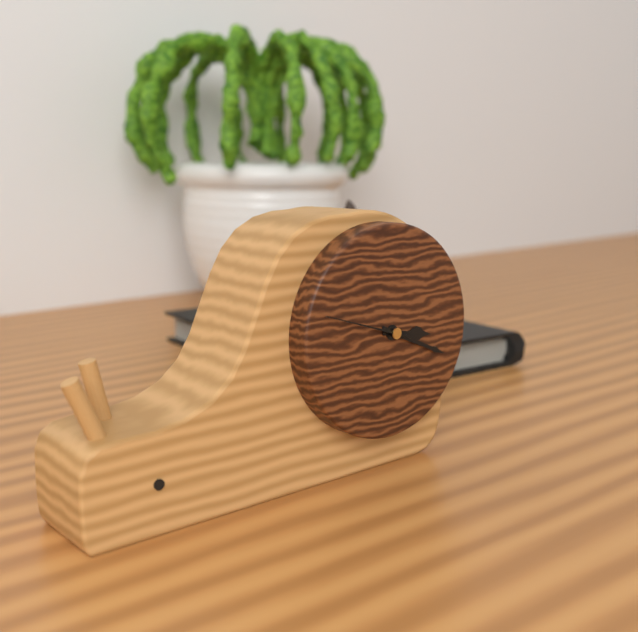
3:19:48
